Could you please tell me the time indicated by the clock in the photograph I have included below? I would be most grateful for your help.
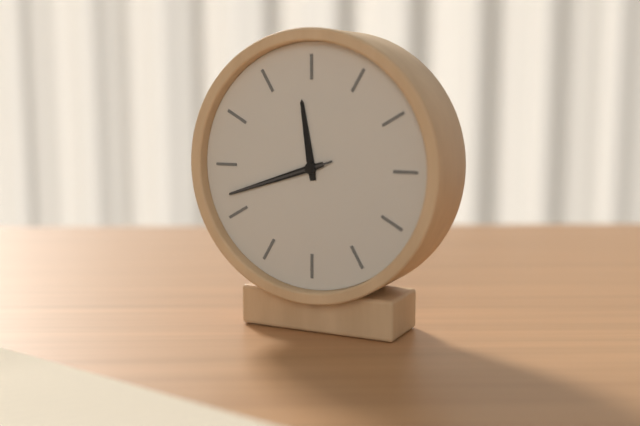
11:42:42
